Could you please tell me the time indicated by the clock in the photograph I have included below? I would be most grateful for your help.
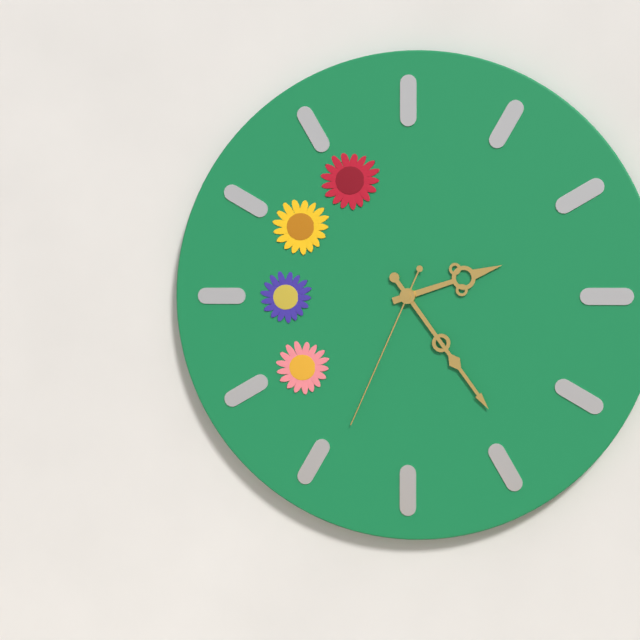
2:24:34
